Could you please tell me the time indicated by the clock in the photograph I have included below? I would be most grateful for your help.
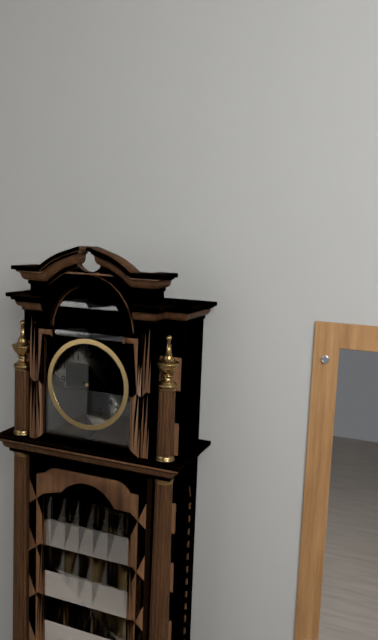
6:17
